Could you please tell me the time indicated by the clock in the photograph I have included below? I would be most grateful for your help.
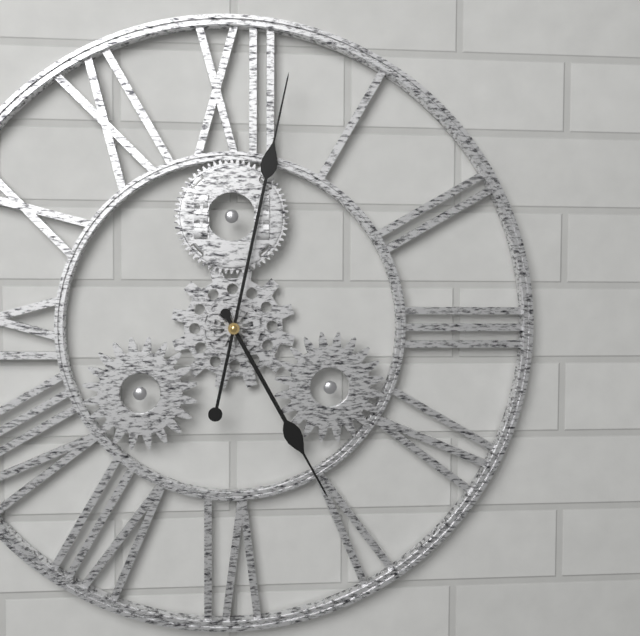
5:02
